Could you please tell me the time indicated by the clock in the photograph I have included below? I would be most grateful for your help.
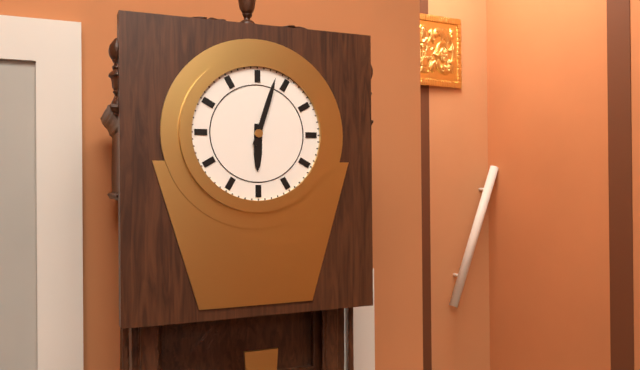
6:03
